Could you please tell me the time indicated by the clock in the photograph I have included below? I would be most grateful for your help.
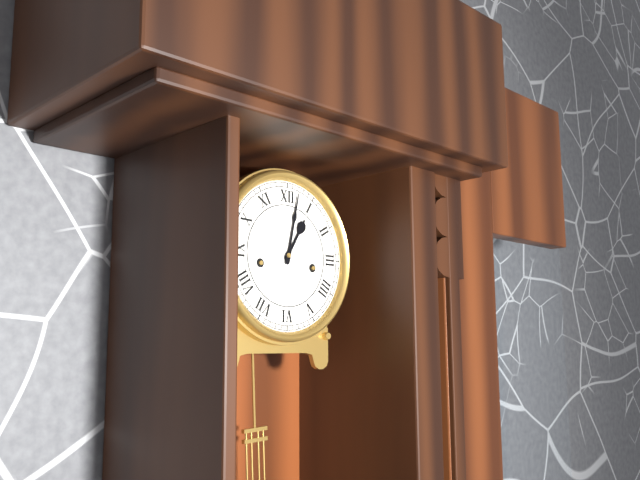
1:02
